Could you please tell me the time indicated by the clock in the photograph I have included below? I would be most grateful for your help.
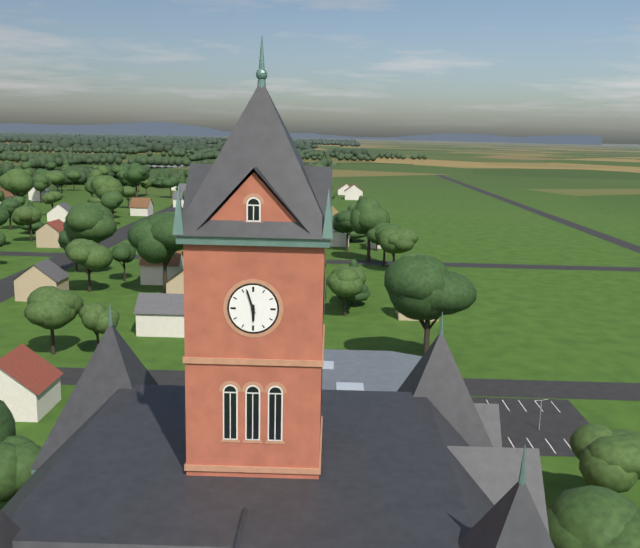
5:57
